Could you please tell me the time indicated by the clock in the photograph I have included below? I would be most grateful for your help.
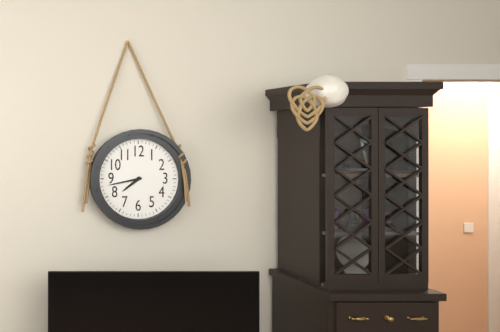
7:43
